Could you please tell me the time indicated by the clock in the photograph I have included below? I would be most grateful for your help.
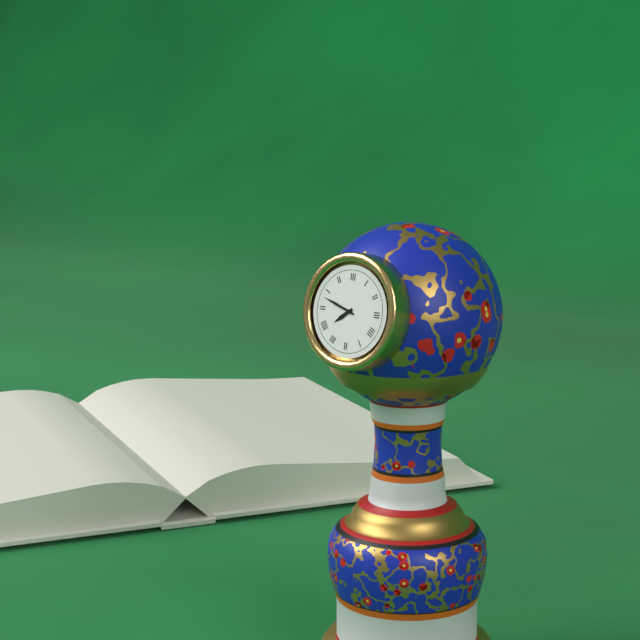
7:48
